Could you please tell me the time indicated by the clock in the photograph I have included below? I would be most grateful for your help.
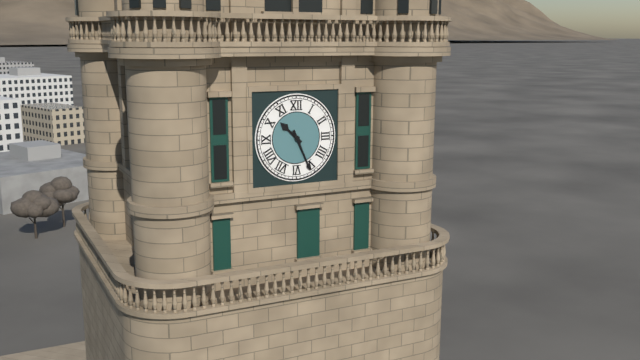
10:26
